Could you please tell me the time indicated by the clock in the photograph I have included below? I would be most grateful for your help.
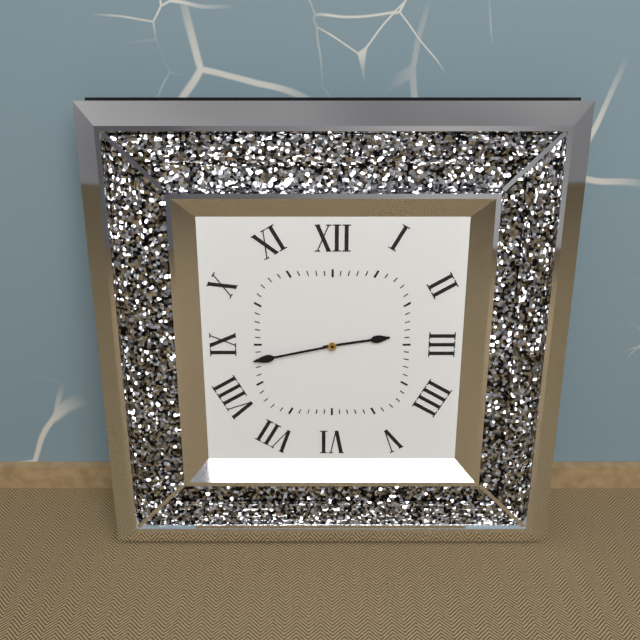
2:43
